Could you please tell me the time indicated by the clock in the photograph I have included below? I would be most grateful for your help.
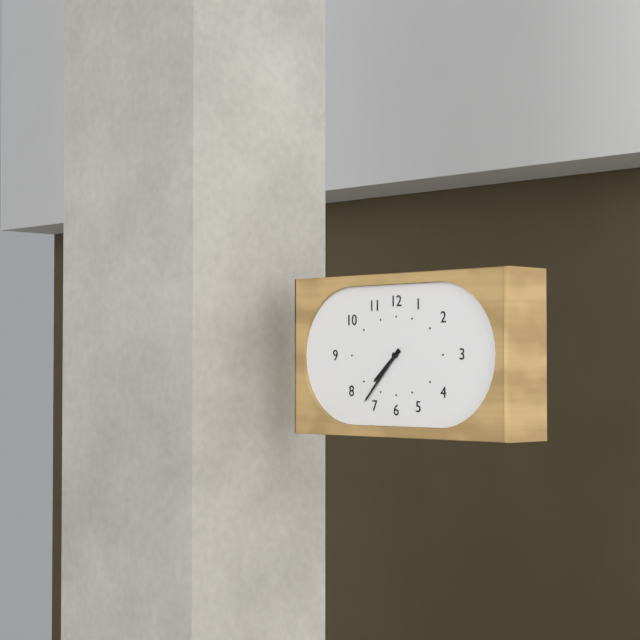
7:37
